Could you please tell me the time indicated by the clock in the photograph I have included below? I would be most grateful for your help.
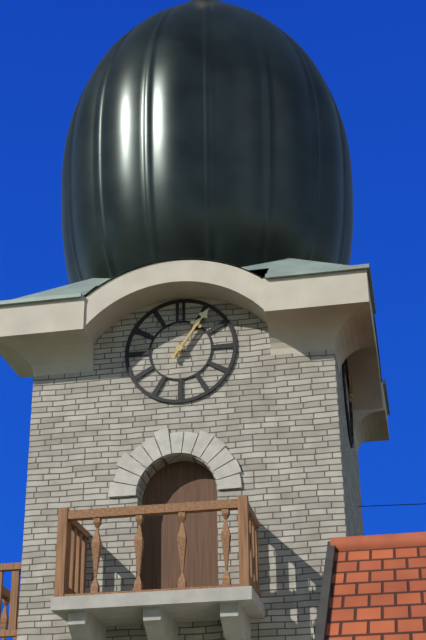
1:06
